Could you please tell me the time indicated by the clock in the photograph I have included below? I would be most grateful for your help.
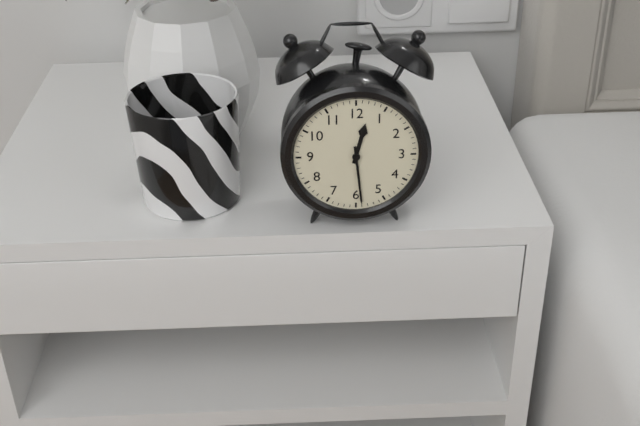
12:29
